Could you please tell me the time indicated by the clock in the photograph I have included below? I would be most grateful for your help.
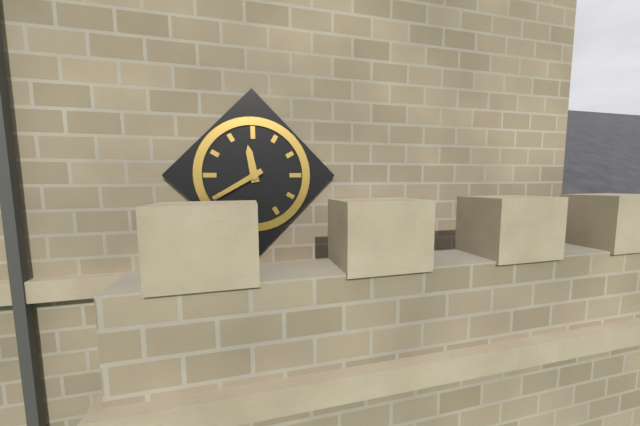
11:40
